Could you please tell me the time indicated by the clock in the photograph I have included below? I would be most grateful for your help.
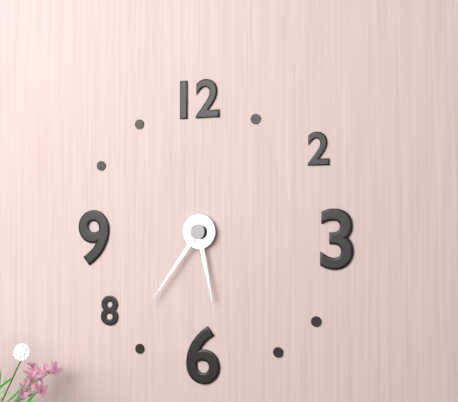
5:36
